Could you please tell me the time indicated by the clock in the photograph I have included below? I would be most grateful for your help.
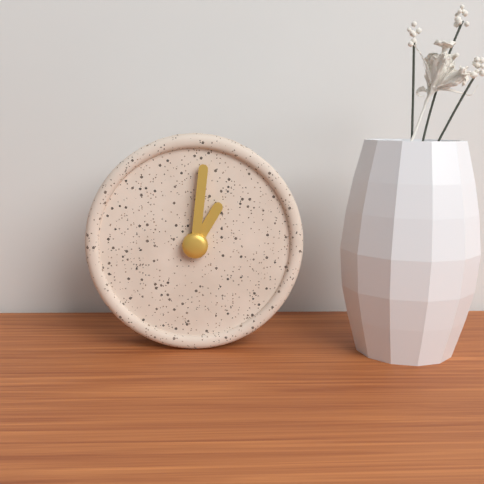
1:01
